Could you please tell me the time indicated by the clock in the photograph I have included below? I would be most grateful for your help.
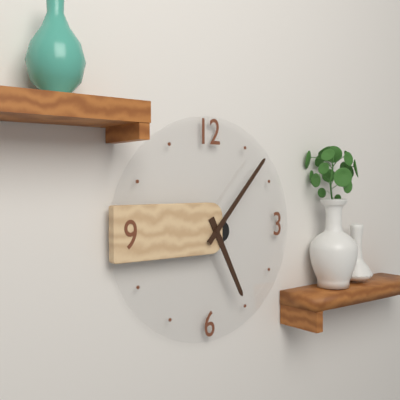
5:07
